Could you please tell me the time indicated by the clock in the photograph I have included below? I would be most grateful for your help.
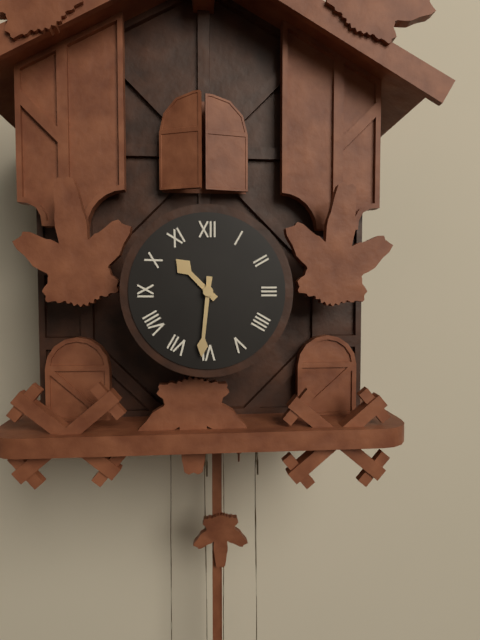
10:31
